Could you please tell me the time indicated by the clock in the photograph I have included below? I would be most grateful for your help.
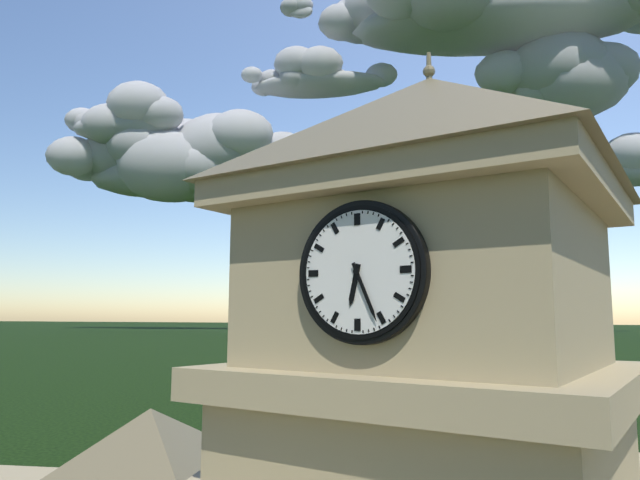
6:26
